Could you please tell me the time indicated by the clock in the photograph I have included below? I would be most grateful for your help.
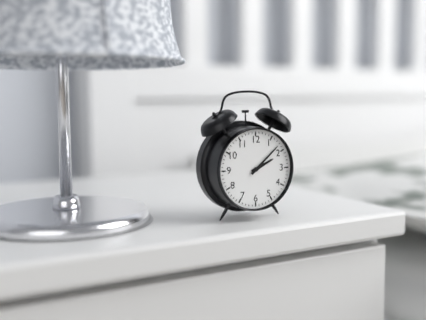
2:08
